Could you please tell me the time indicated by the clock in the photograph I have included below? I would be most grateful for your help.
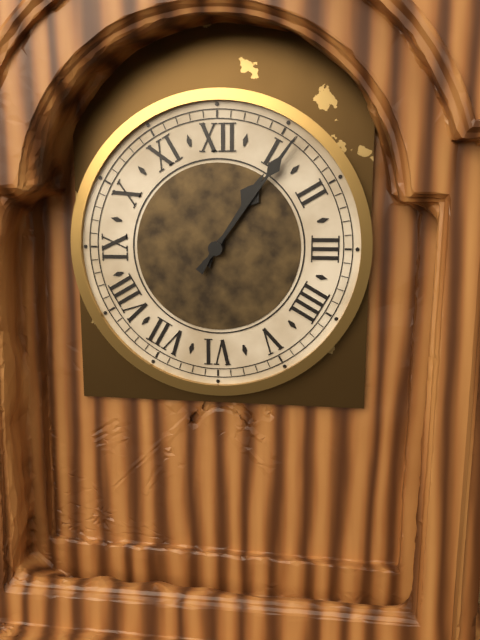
1:06
